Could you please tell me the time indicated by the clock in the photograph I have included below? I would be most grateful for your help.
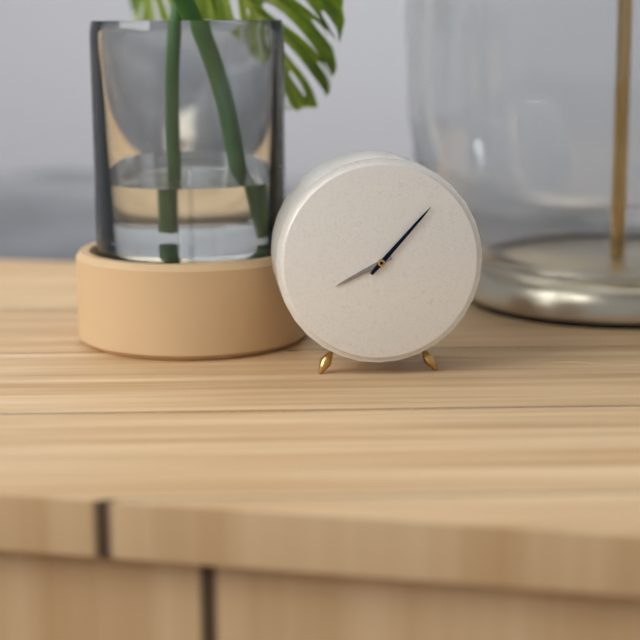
8:07
